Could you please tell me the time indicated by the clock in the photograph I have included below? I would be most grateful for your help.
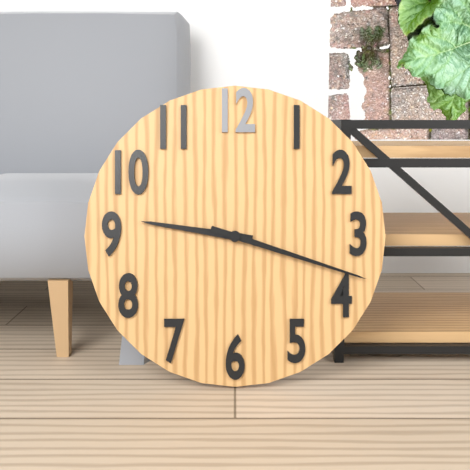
9:18
